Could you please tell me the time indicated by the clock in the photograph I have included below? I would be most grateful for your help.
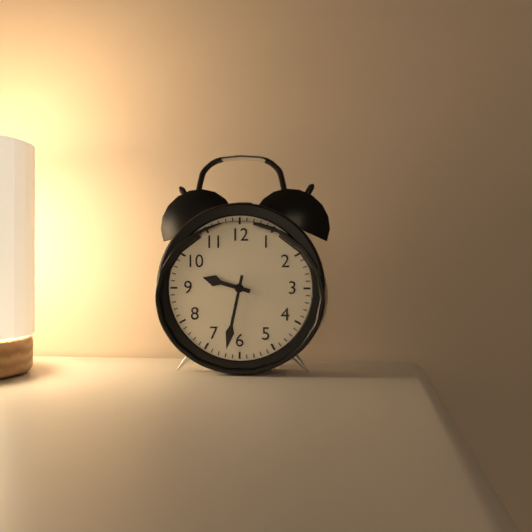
9:32
